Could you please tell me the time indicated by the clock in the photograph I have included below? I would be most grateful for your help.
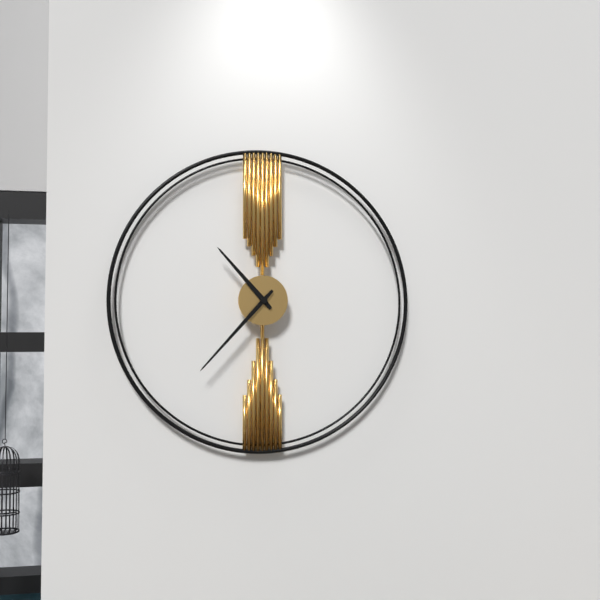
10:37
